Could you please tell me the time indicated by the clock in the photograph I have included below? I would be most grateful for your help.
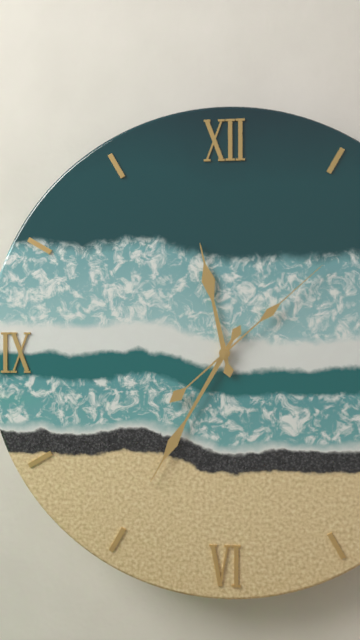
11:35:08
